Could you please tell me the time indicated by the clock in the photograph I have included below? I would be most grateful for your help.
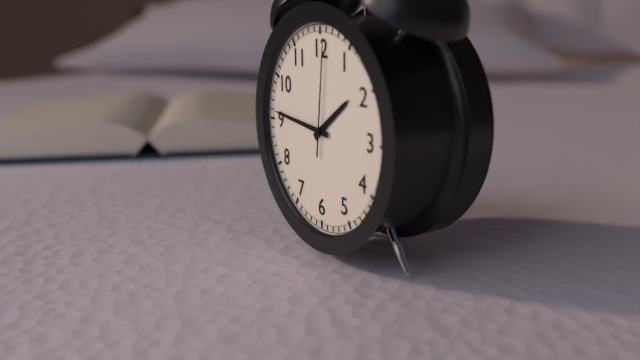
1:46:01
